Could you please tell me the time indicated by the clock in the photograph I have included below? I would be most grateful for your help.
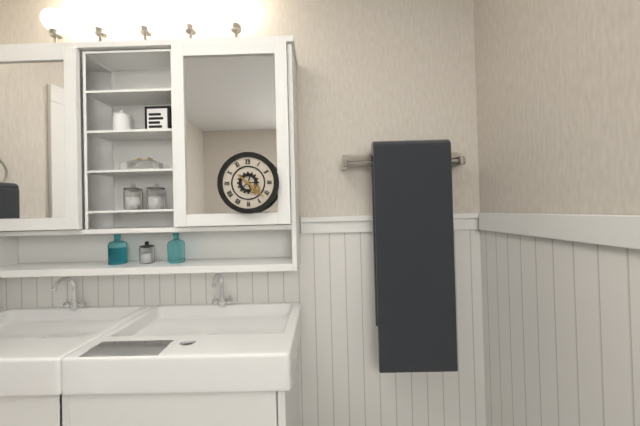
10:22
